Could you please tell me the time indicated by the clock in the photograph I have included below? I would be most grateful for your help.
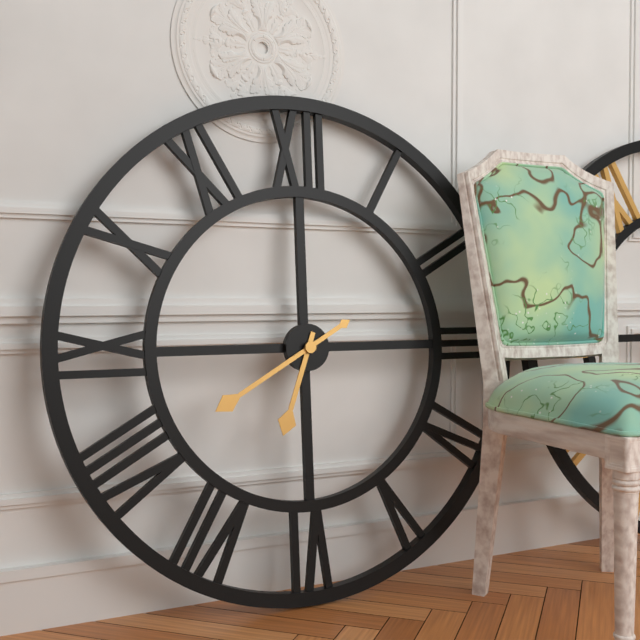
6:40
